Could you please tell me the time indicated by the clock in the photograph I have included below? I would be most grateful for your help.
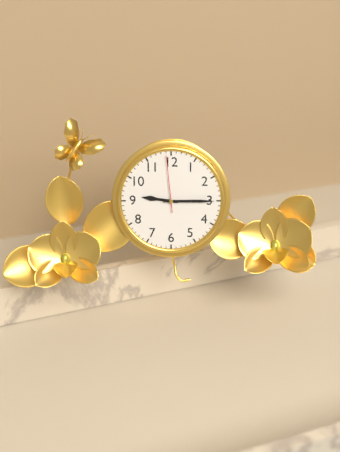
9:15:59
